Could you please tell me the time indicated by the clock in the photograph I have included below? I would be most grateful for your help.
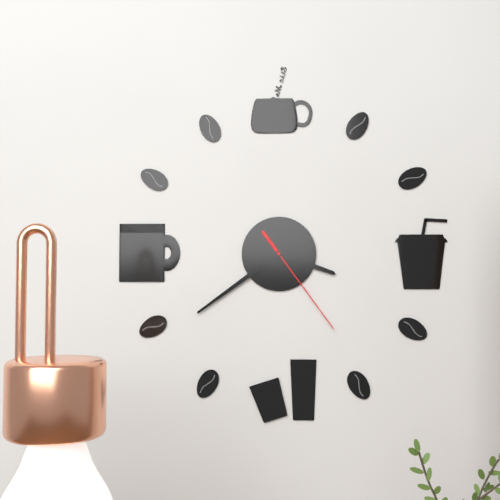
3:39:24
